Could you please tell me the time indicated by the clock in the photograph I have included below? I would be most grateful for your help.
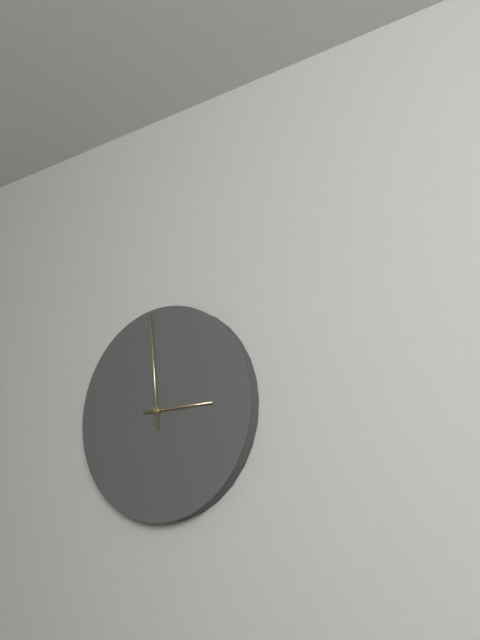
2:59
